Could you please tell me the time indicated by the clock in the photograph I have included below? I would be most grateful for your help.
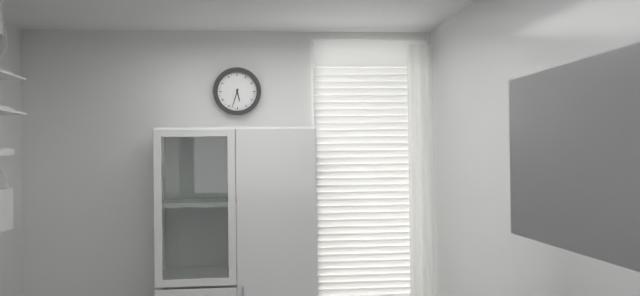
5:33
